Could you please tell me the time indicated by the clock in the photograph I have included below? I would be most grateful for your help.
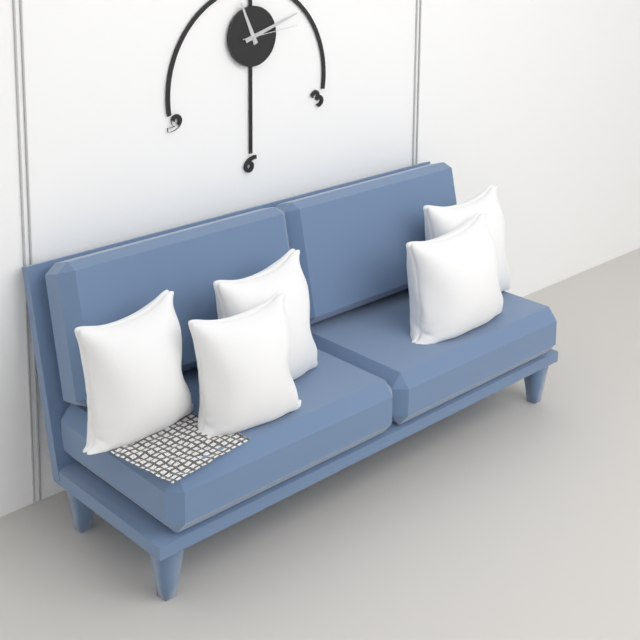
11:12:14
